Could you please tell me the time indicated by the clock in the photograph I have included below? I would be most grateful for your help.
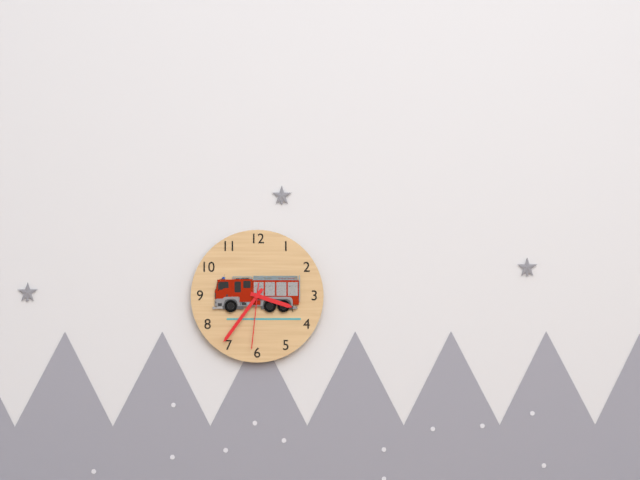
3:36:31
